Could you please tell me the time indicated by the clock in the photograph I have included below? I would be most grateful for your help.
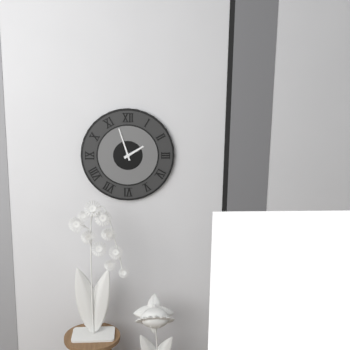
1:57
